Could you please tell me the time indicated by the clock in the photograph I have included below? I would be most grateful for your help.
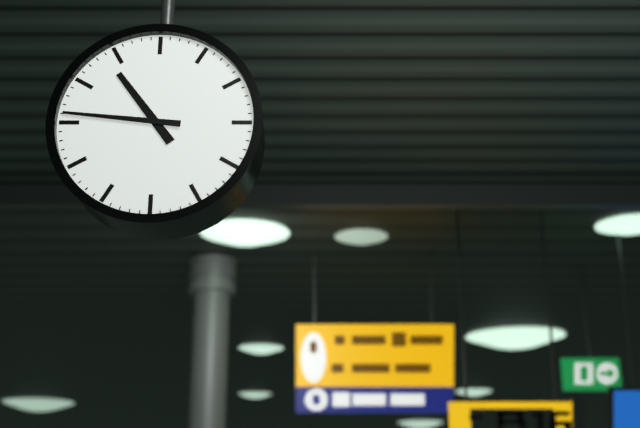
10:46
